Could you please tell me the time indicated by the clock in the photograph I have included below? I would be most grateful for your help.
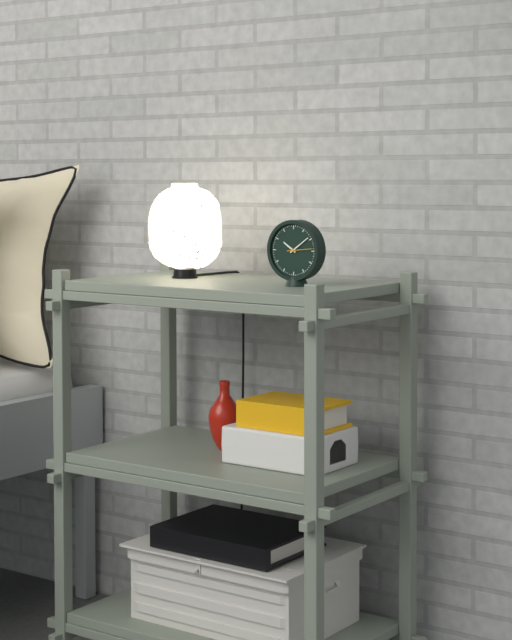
10:09
